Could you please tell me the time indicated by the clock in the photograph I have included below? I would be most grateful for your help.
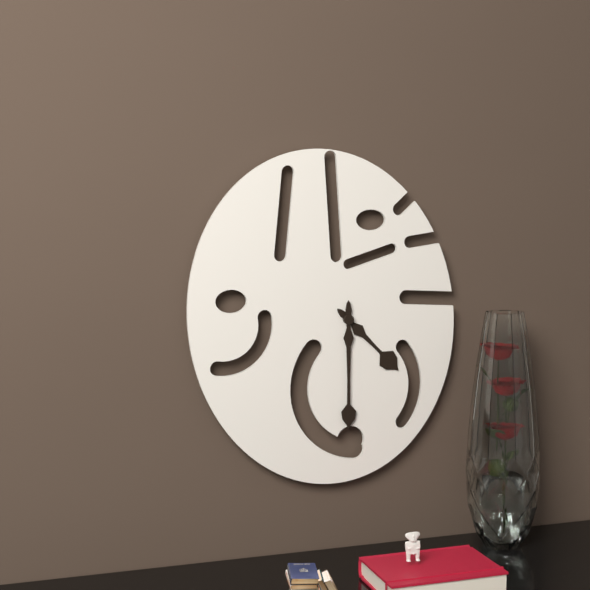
4:30
